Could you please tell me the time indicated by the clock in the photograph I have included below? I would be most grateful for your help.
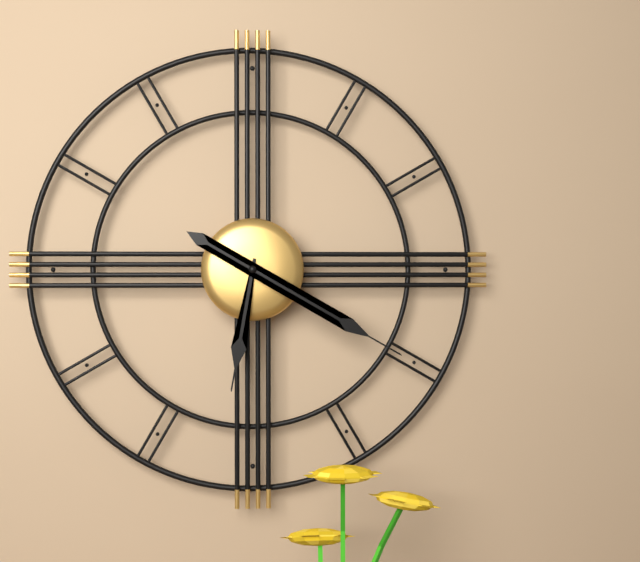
6:20
